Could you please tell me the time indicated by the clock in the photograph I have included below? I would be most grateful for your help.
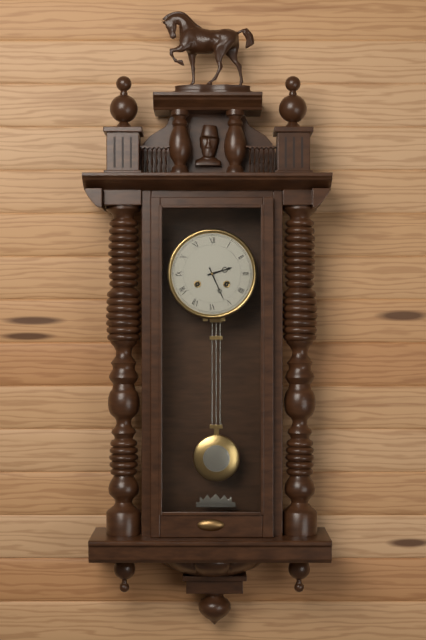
2:26
